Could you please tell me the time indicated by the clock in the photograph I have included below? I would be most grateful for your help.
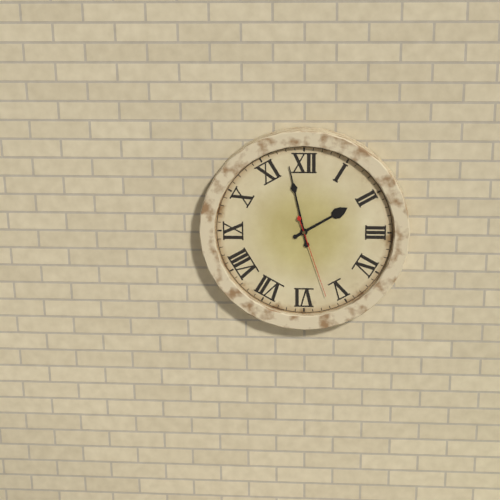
1:58:27
